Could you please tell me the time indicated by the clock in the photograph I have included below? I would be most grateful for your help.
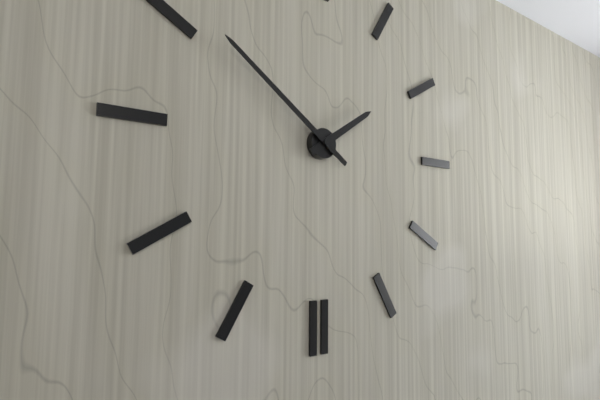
1:51
